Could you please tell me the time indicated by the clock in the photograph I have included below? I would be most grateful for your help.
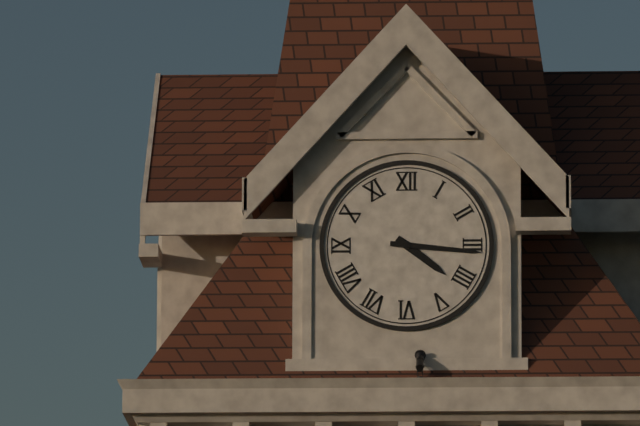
4:16
